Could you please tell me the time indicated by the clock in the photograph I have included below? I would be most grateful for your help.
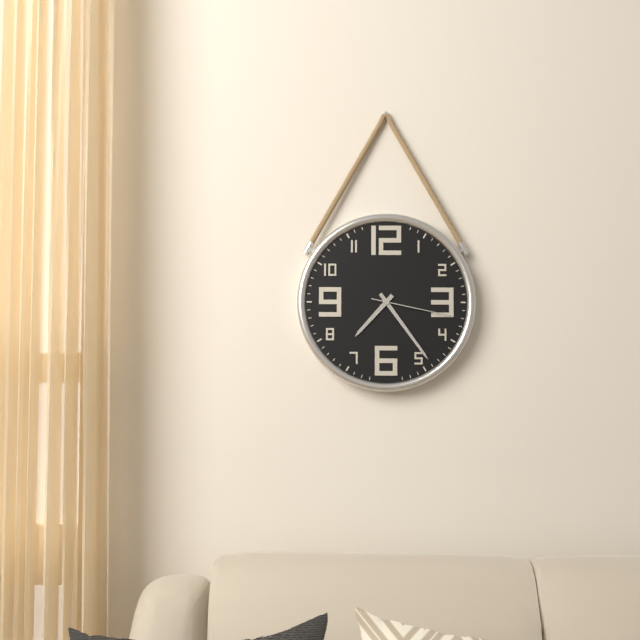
7:24:17
